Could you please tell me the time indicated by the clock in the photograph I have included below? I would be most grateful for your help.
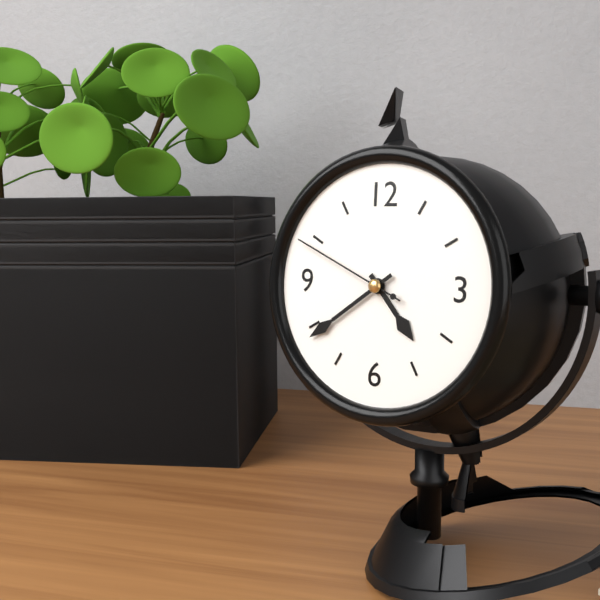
4:39:49
